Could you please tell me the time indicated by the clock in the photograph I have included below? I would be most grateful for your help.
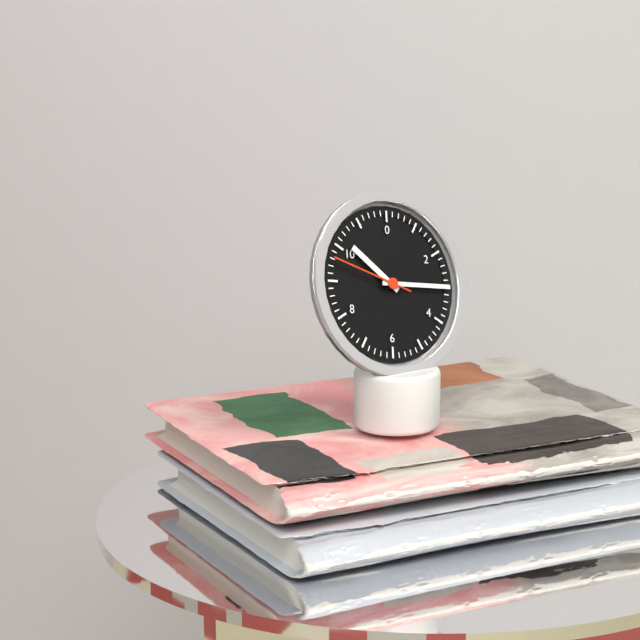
10:15:48
